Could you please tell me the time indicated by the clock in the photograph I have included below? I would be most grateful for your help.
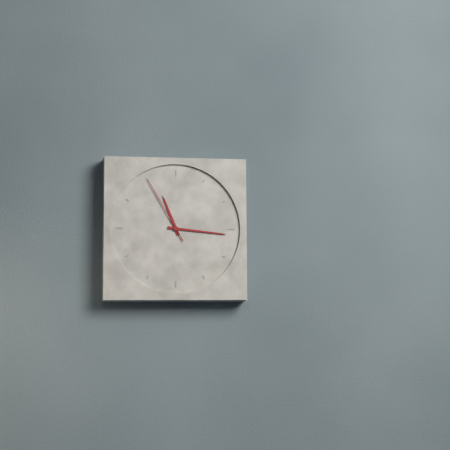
11:16:55
